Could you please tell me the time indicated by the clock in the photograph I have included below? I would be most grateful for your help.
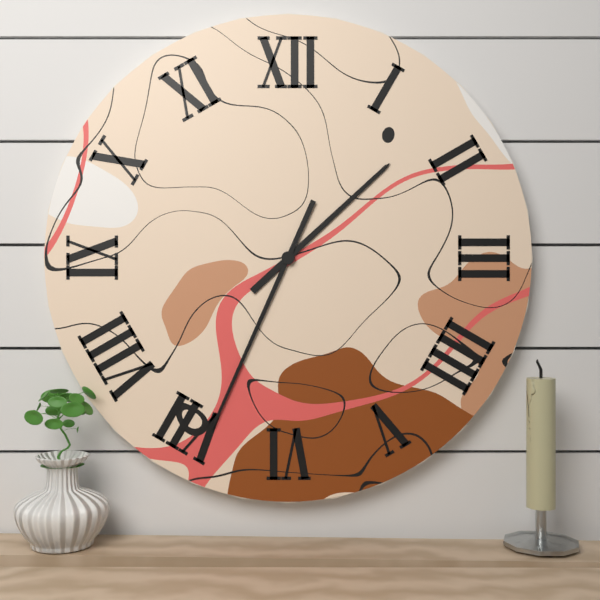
1:34
